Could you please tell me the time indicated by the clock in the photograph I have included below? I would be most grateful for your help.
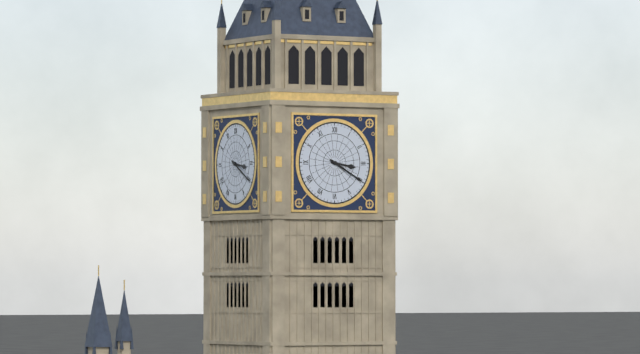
3:20
